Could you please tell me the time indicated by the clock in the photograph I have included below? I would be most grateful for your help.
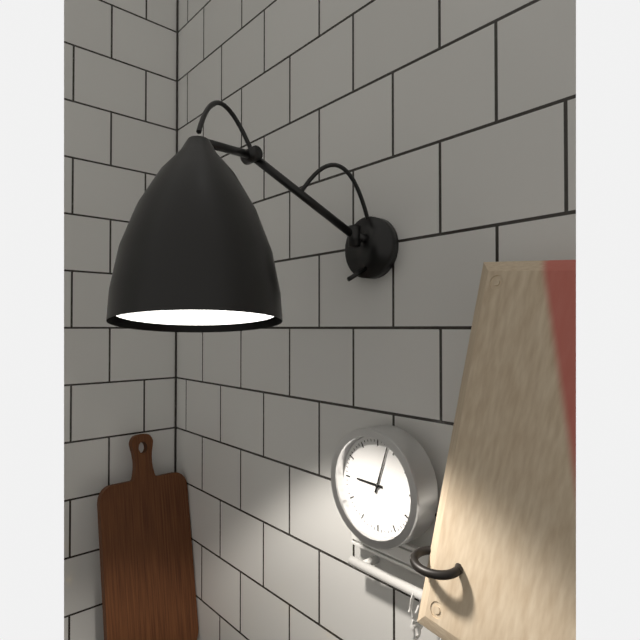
9:03
